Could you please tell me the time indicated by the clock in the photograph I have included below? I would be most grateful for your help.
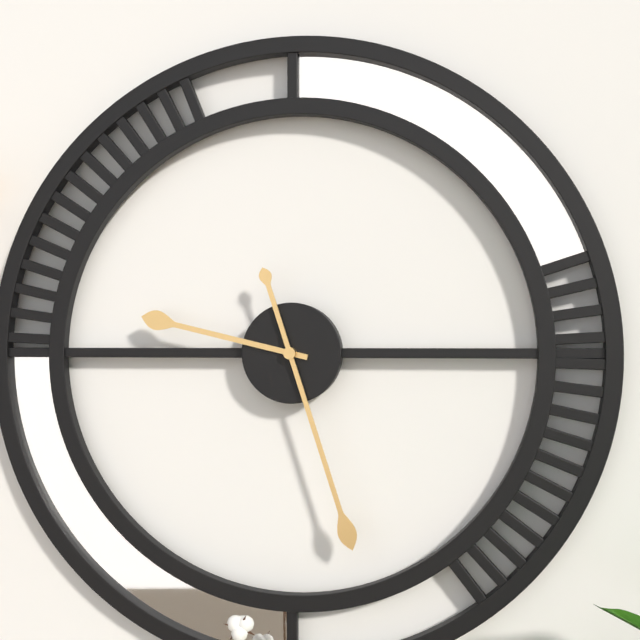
9:27
